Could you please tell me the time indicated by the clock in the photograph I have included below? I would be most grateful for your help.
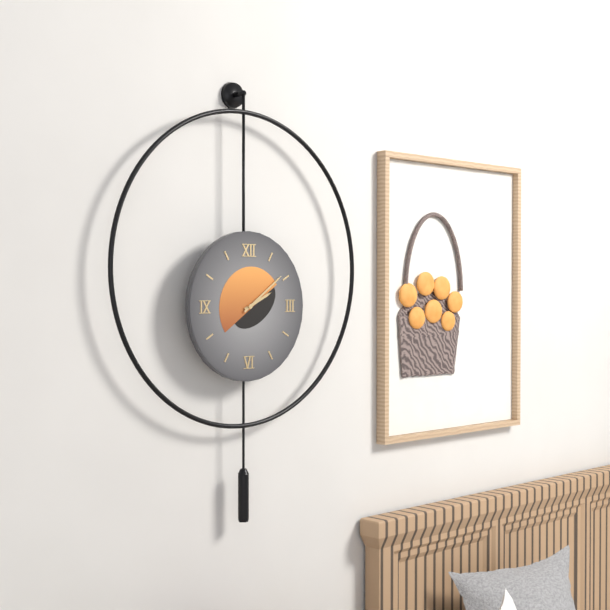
2:09
